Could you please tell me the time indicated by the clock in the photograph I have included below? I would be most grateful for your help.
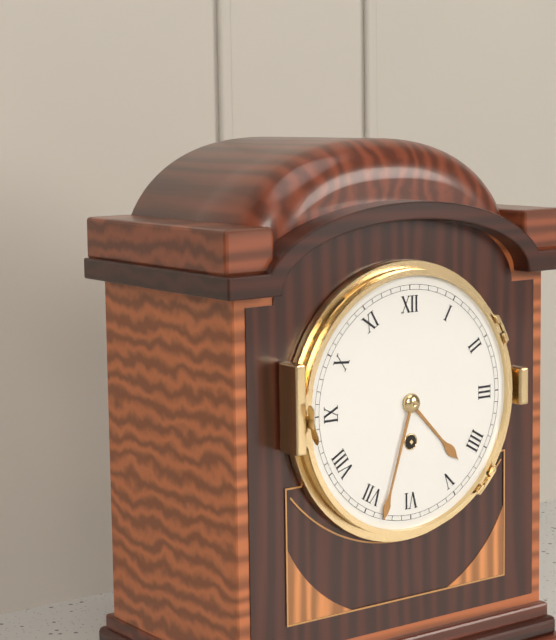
4:33
